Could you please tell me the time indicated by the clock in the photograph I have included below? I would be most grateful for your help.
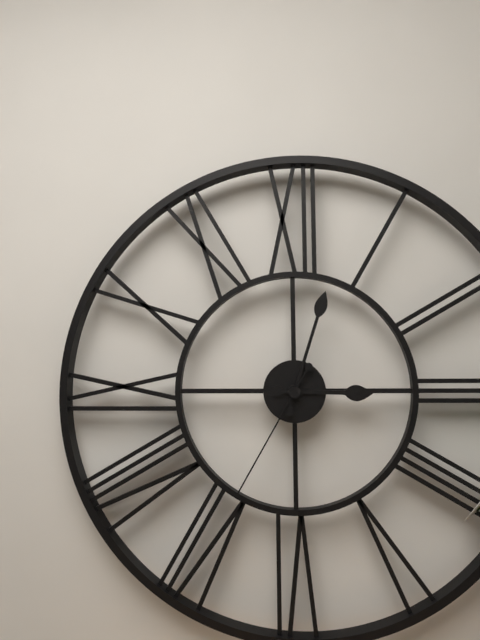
3:03:35
